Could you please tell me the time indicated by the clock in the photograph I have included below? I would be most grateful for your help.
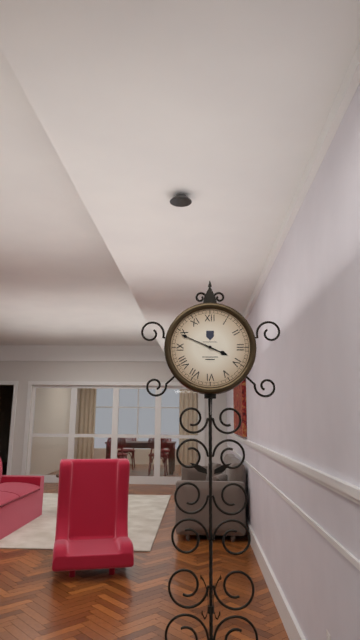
3:49
